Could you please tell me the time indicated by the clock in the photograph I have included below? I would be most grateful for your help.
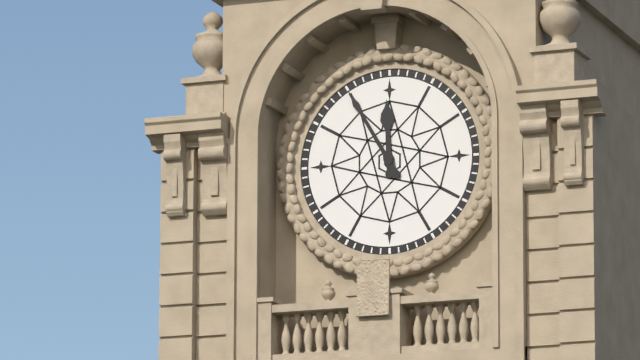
11:55
